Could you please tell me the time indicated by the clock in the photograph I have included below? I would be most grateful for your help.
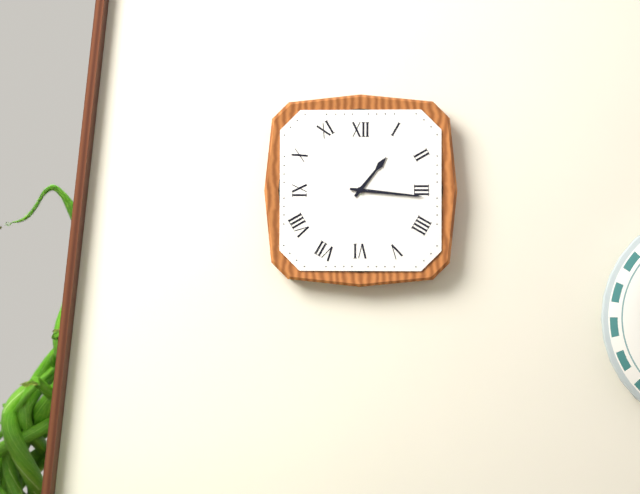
1:16
